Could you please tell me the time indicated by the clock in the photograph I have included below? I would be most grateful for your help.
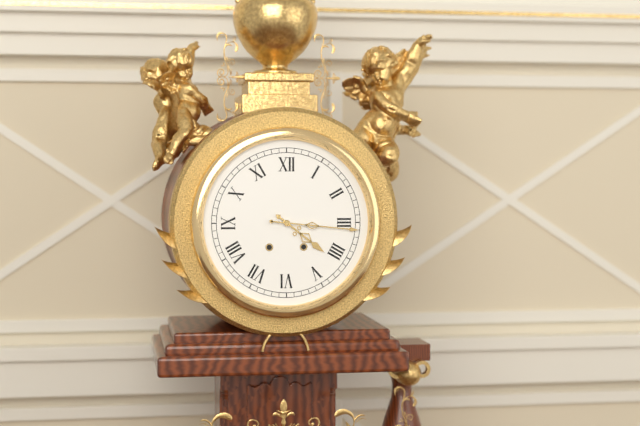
4:16
